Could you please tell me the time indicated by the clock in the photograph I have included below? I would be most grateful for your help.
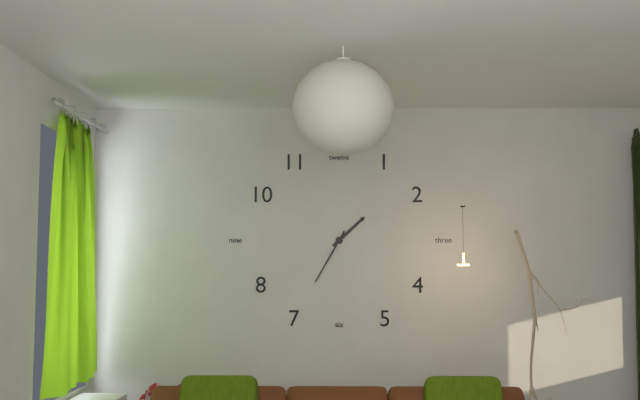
1:35
